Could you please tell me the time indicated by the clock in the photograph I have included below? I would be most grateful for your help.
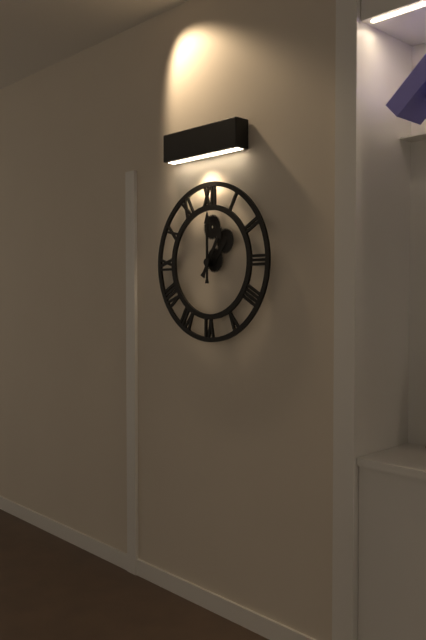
1:00
